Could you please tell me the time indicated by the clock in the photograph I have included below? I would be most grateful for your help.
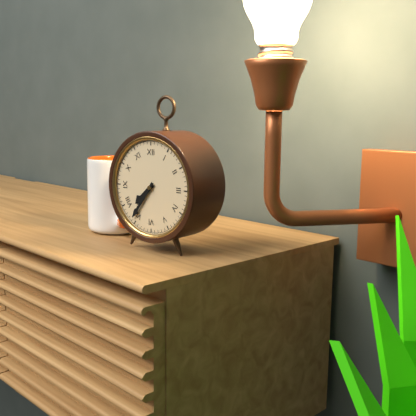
7:36
